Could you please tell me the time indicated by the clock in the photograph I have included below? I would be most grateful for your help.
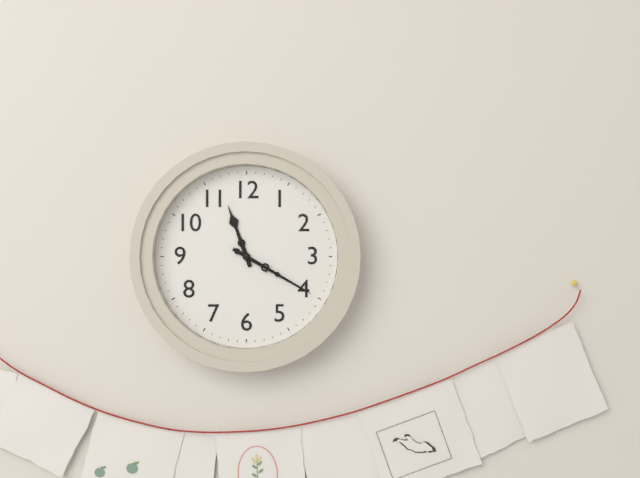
11:20
